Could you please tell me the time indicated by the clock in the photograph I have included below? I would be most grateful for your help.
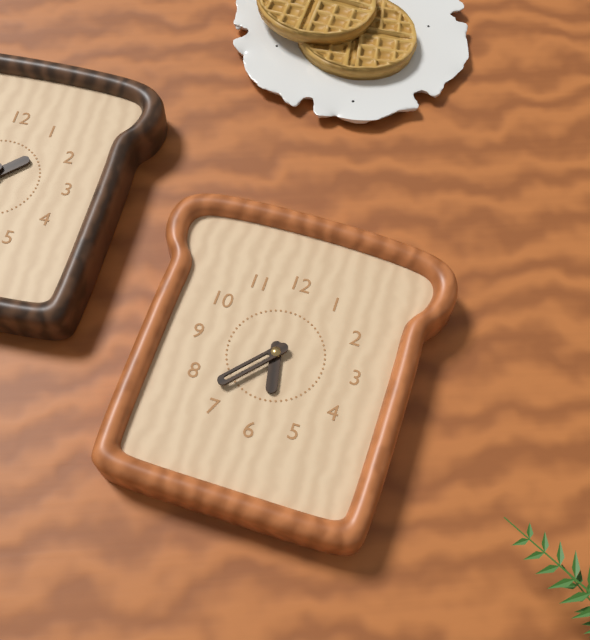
5:37
